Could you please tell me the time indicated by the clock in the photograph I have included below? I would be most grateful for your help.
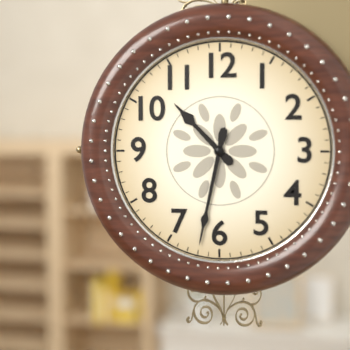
10:32
